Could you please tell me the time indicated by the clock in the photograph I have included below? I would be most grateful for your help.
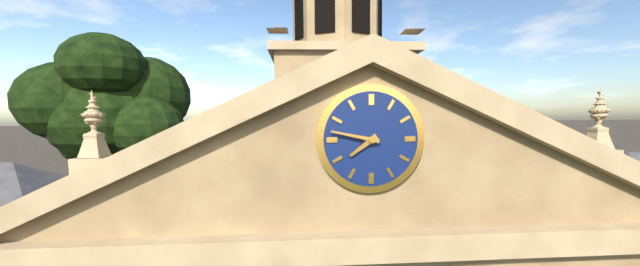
7:47
